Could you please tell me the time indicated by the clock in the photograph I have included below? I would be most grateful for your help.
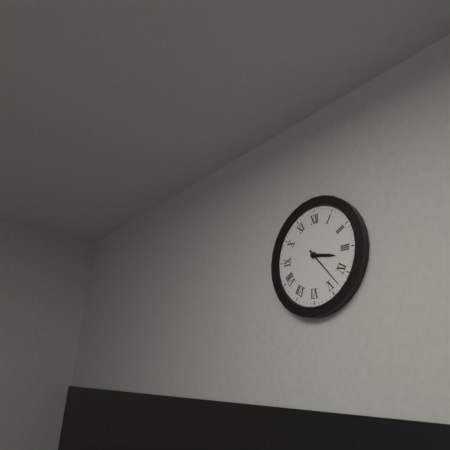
3:23
